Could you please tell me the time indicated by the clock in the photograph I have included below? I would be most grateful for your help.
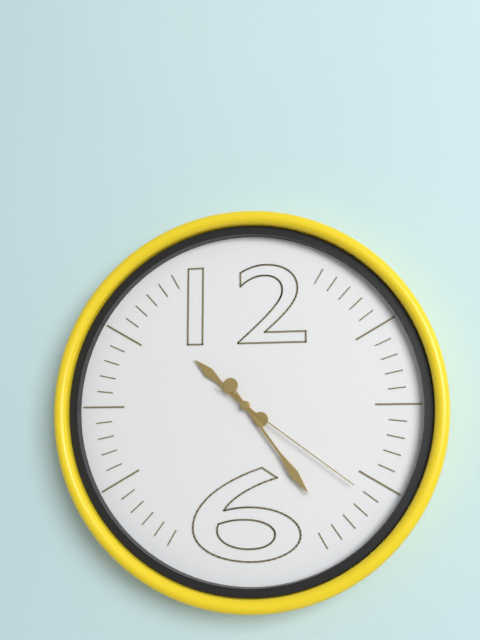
10:24:21
